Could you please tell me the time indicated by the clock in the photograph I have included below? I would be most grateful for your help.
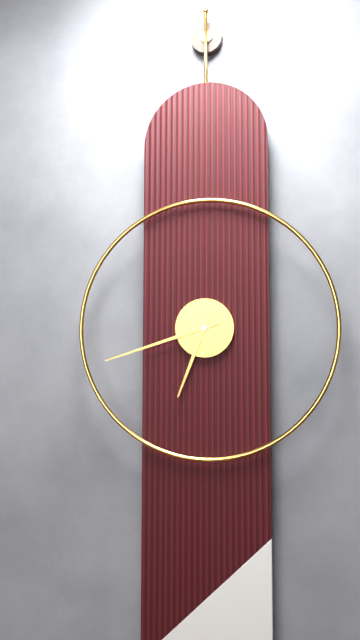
6:42
